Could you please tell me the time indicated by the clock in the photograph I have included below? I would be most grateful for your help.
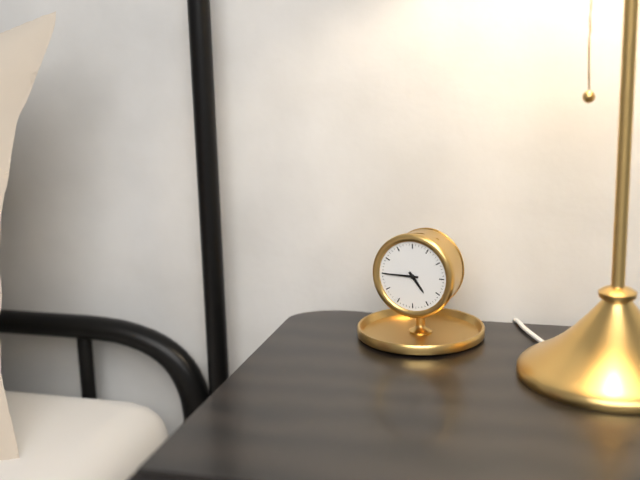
4:45
